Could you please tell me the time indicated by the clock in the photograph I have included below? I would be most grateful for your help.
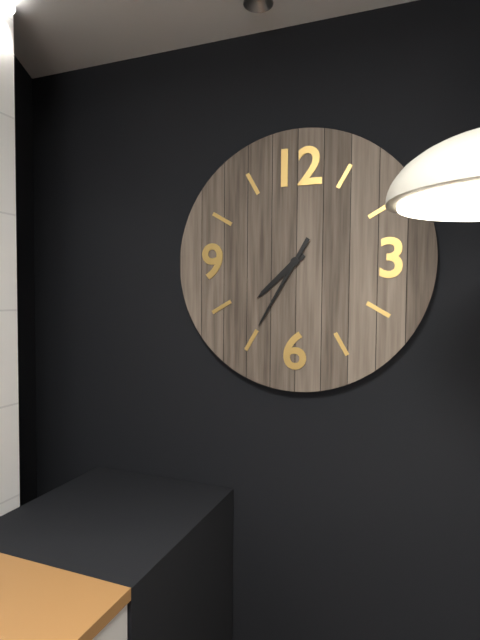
7:35
